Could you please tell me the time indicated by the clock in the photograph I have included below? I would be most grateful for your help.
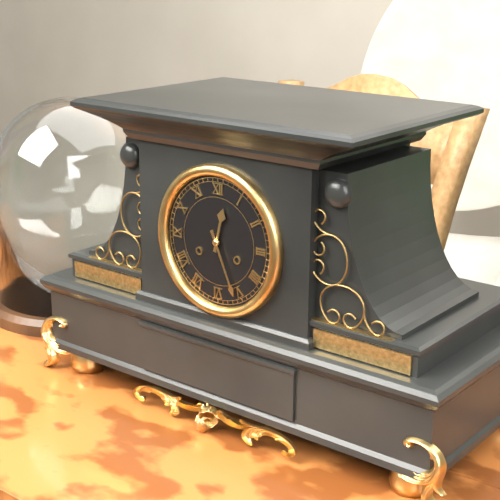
12:26
